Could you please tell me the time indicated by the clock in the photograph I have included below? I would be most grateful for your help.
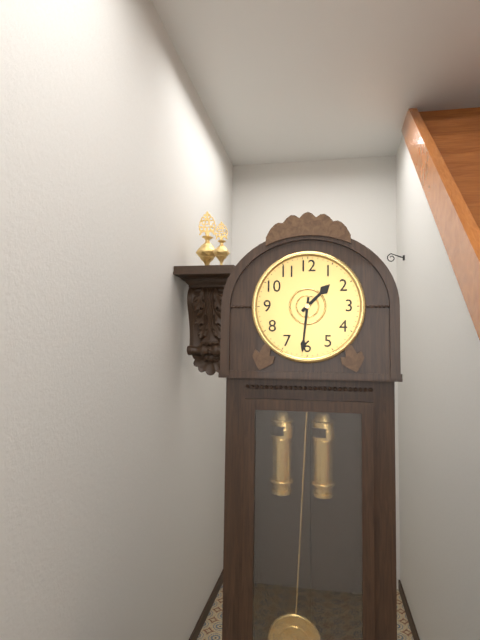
1:31
